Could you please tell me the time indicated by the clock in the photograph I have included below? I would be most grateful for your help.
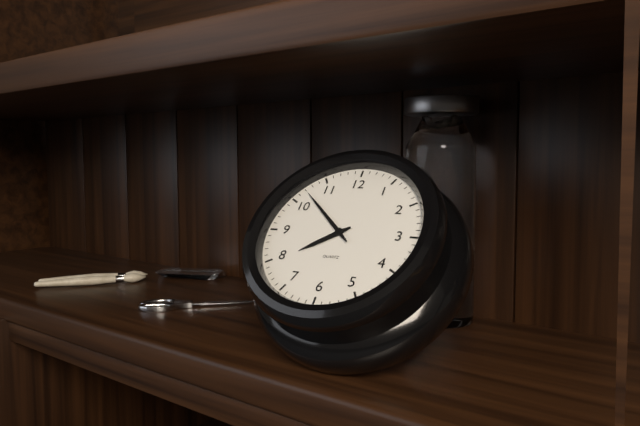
7:52
